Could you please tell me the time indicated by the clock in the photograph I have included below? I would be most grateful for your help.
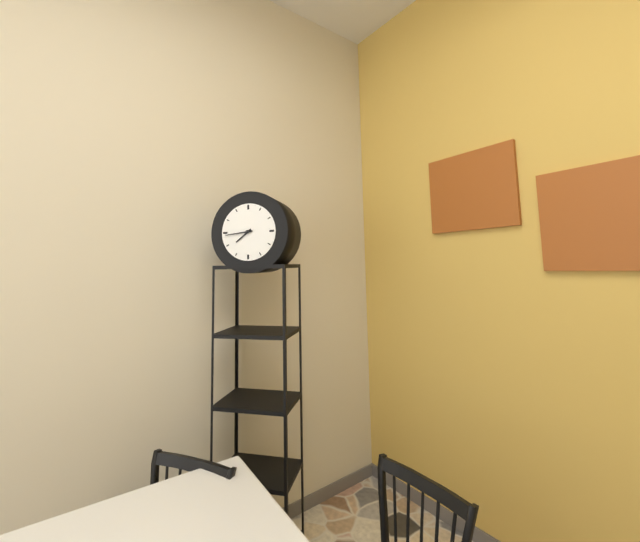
7:44
